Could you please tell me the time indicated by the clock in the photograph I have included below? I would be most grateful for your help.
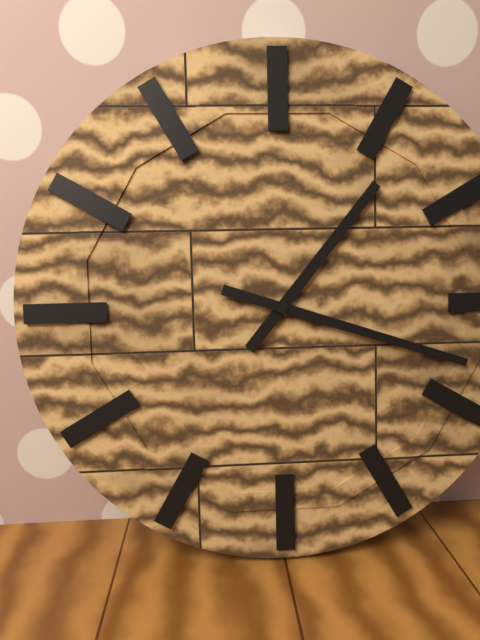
1:18
